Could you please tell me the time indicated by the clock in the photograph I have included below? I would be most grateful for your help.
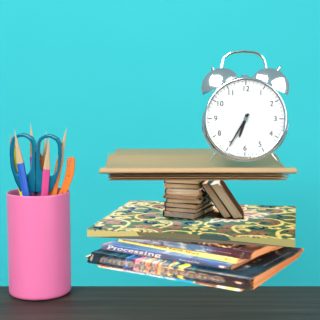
6:35
